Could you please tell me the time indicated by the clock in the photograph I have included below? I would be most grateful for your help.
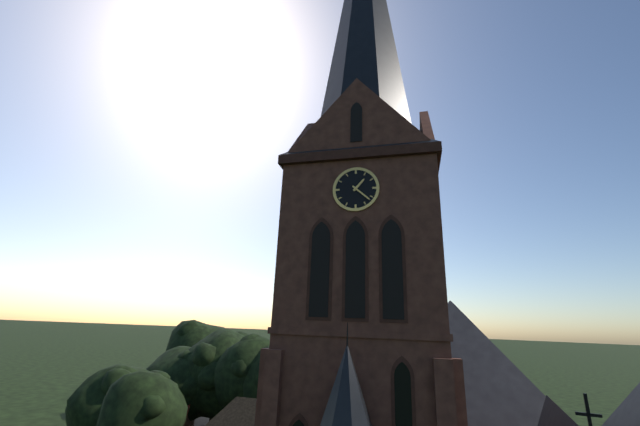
1:22
